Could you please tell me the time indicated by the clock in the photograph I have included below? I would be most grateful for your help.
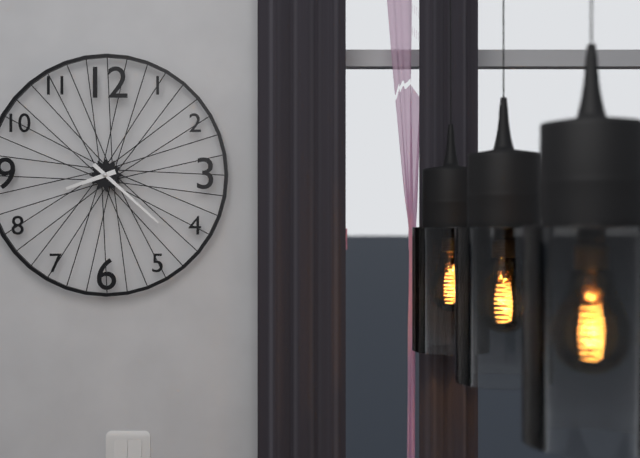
8:22
